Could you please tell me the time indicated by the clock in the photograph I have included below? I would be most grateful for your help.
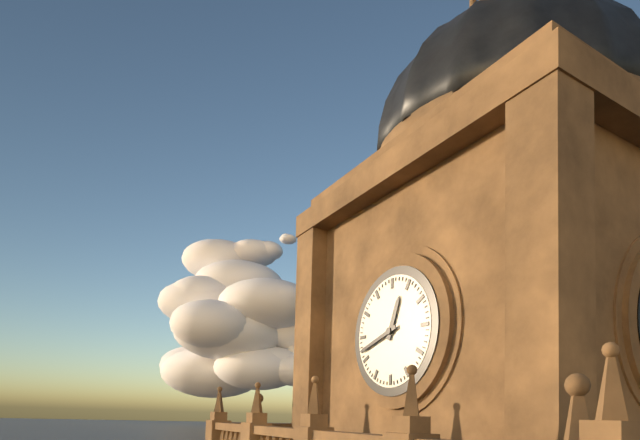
12:42
